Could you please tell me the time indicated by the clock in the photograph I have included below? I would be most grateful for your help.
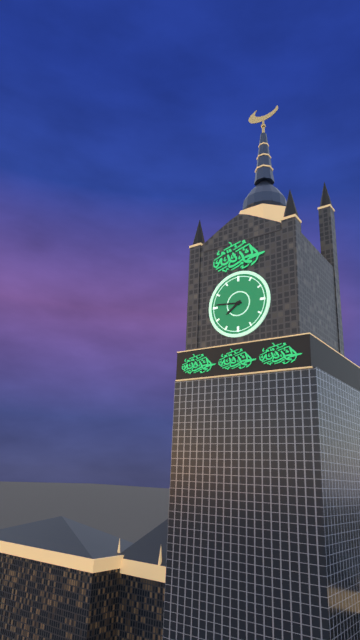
7:46
